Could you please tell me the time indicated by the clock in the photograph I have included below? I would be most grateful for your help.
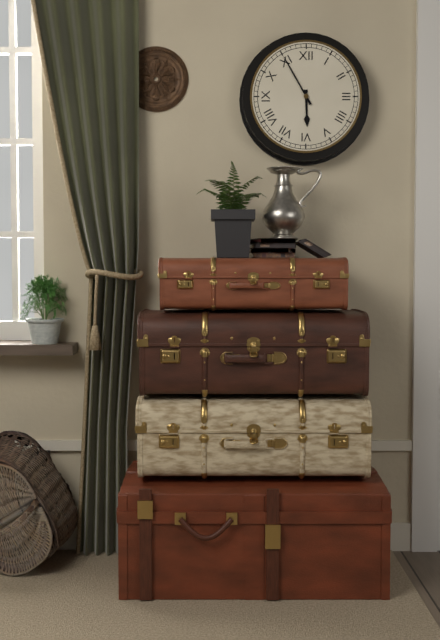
5:55
